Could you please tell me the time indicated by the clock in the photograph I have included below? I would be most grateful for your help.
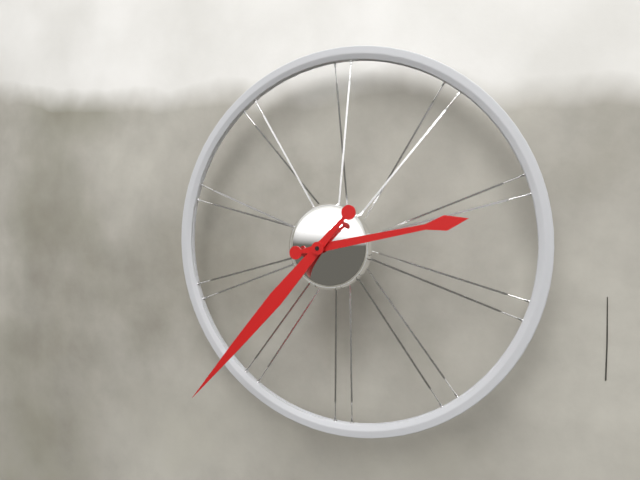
2:37
